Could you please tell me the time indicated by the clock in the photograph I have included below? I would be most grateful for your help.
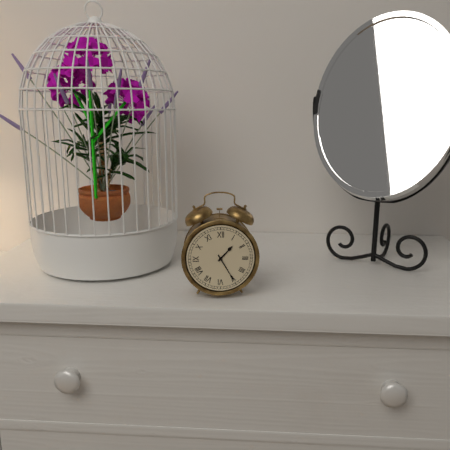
1:25
